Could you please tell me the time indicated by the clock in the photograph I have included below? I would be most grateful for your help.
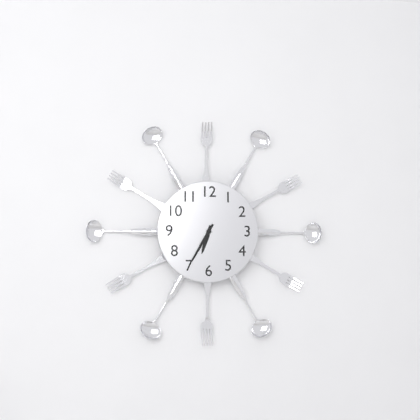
6:35
